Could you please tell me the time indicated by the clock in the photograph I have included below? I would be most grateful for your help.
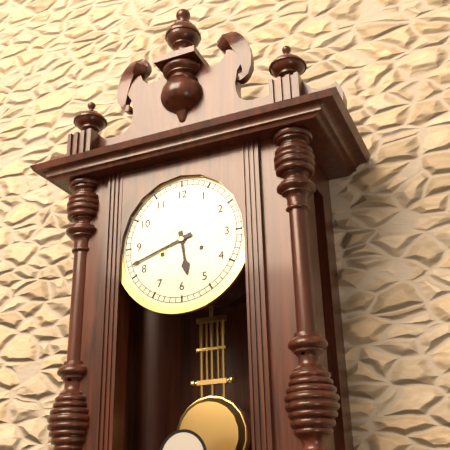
5:42
